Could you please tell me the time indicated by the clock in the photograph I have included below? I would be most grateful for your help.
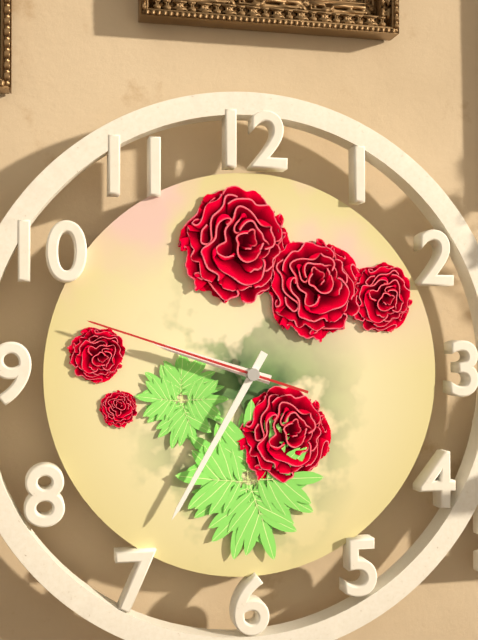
9:35:48
